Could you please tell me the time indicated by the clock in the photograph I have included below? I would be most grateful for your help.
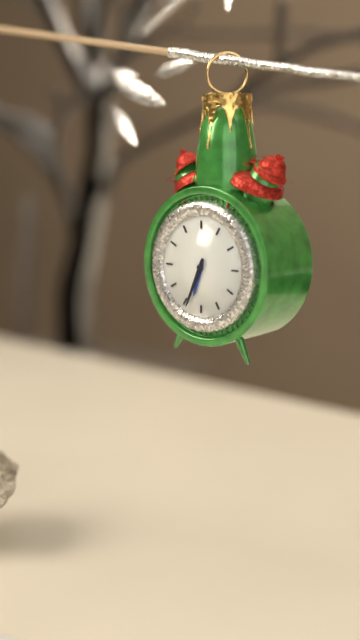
6:34
